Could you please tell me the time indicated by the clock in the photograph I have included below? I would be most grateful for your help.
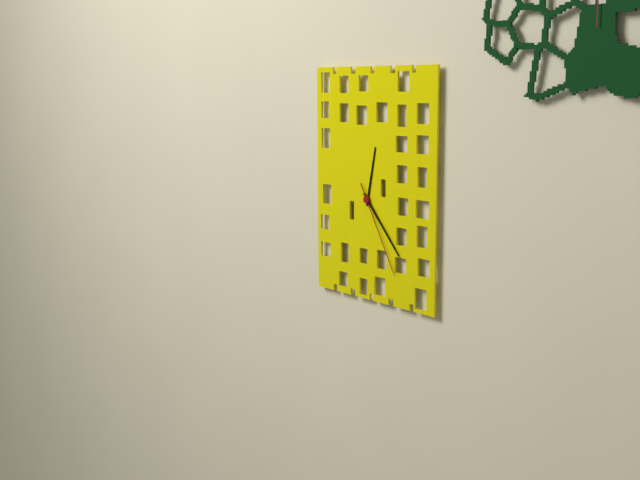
12:23:25
